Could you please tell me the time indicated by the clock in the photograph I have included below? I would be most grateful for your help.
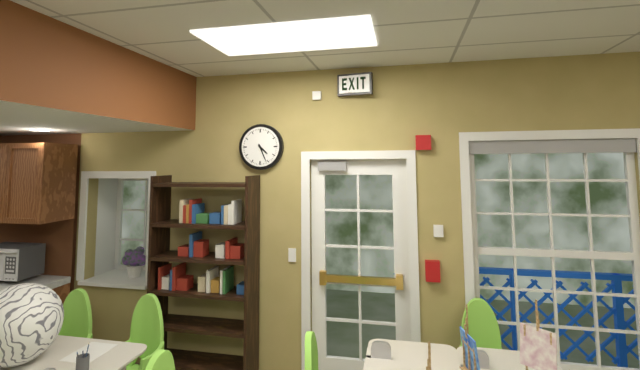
4:26
